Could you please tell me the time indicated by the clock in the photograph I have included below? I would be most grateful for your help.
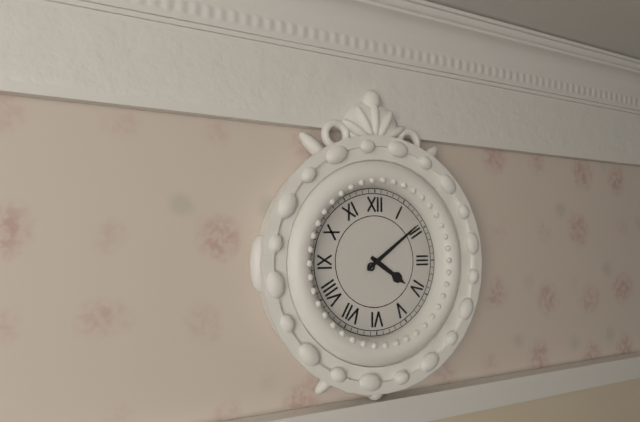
4:09
